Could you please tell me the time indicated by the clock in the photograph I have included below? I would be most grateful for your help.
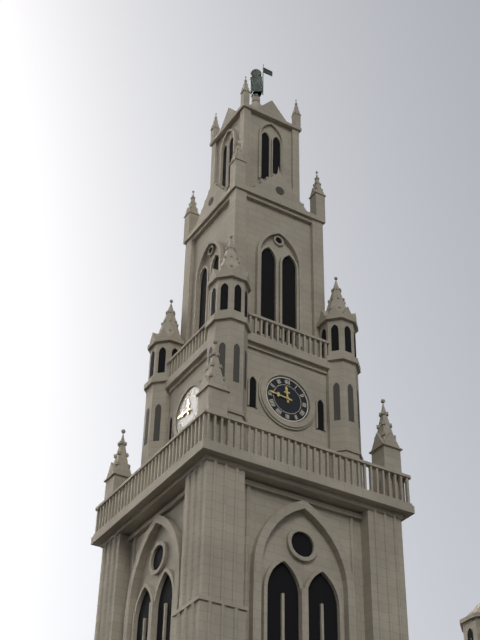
11:46
